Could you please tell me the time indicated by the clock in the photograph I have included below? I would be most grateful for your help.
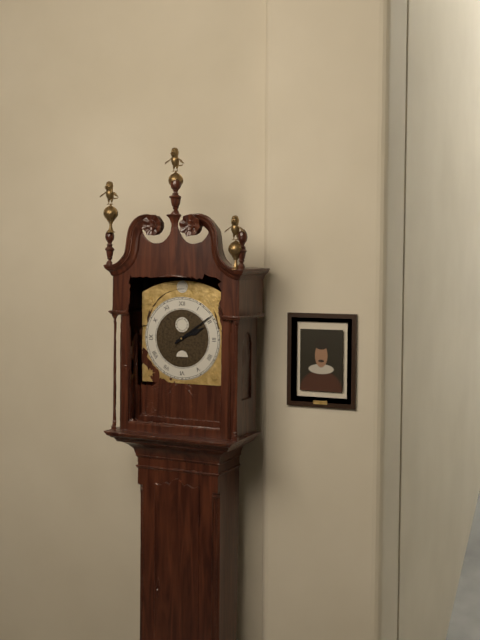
2:09
